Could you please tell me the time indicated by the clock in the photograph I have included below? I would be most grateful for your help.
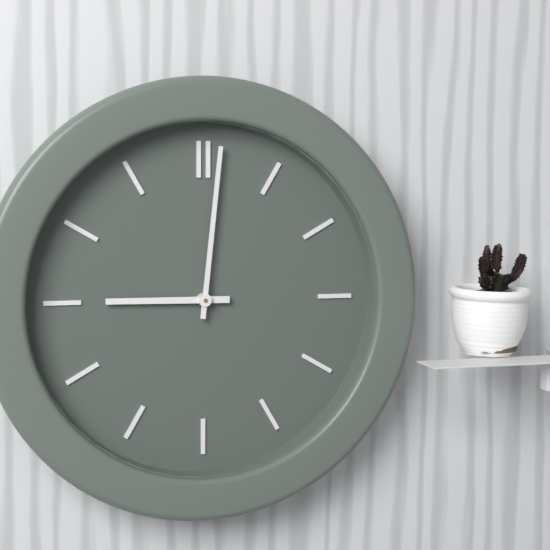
9:01
